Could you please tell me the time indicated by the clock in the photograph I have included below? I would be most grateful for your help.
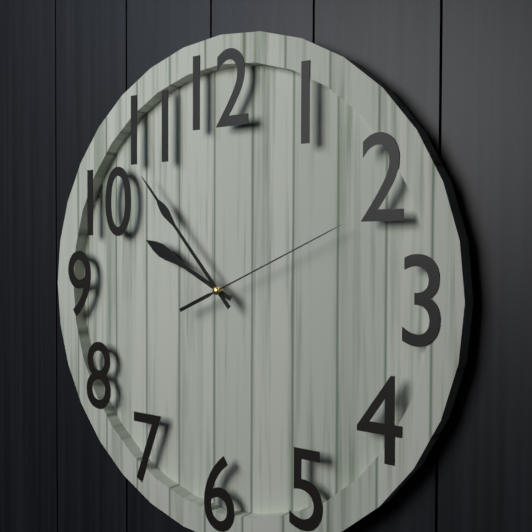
9:53:11
